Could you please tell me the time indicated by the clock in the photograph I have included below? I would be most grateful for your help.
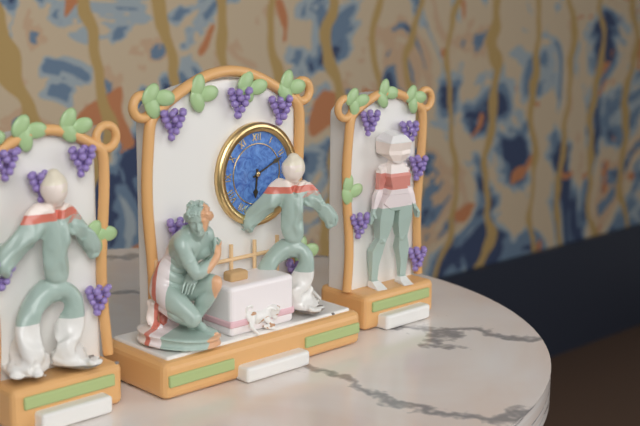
6:11
